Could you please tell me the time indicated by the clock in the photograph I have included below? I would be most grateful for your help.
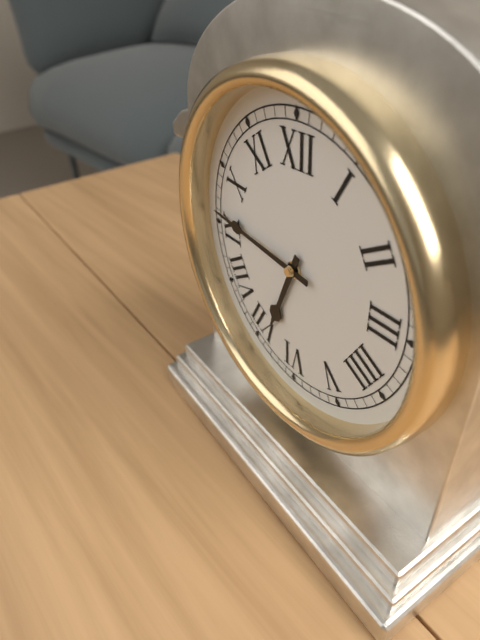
6:46
